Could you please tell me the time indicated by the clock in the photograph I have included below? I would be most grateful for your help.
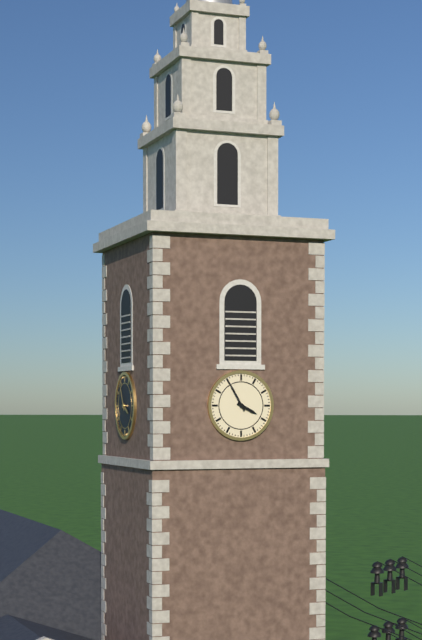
3:55
